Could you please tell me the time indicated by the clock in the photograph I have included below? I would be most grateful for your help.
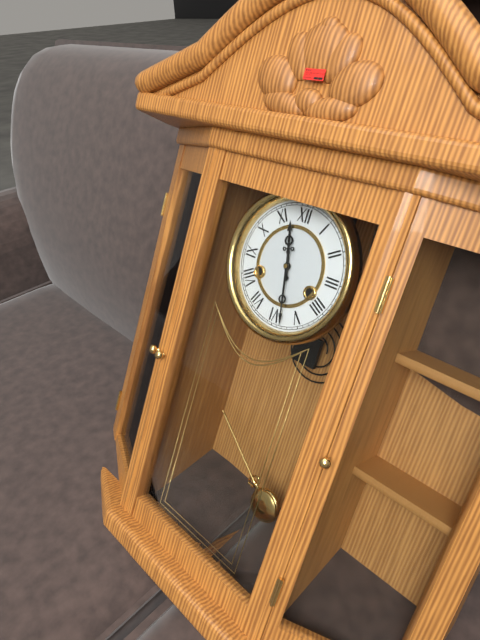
11:28
